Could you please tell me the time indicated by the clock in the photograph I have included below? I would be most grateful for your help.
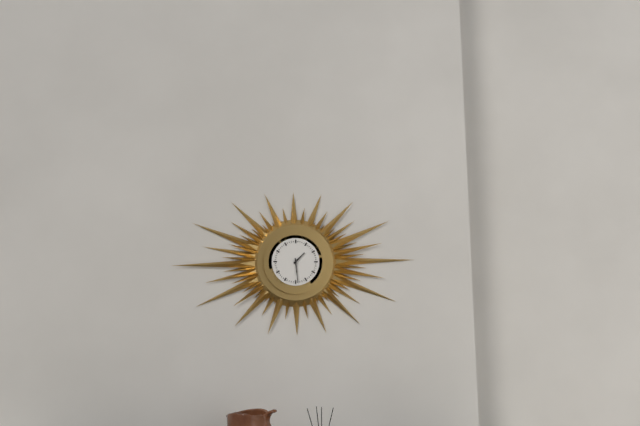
1:29
